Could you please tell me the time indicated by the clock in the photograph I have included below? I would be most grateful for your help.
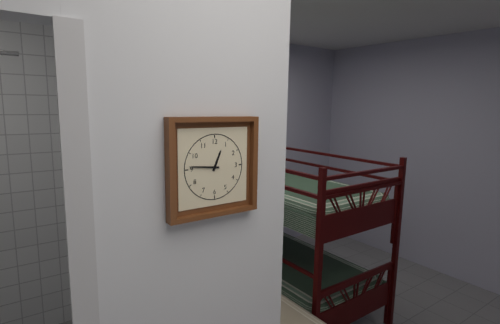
12:46
